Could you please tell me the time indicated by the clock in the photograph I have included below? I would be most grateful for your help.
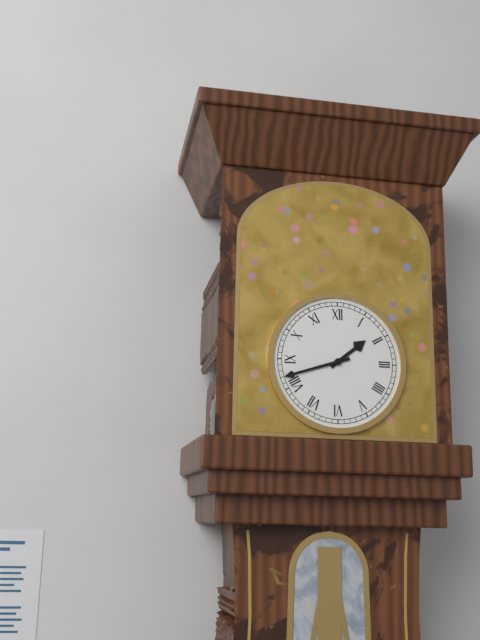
1:42
